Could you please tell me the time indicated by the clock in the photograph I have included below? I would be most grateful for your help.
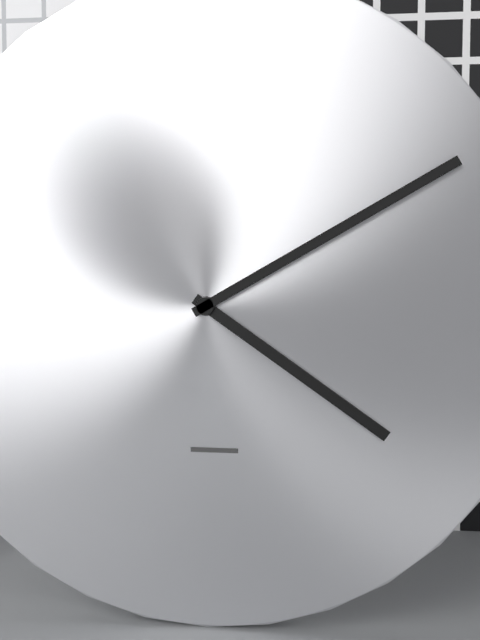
4:10
